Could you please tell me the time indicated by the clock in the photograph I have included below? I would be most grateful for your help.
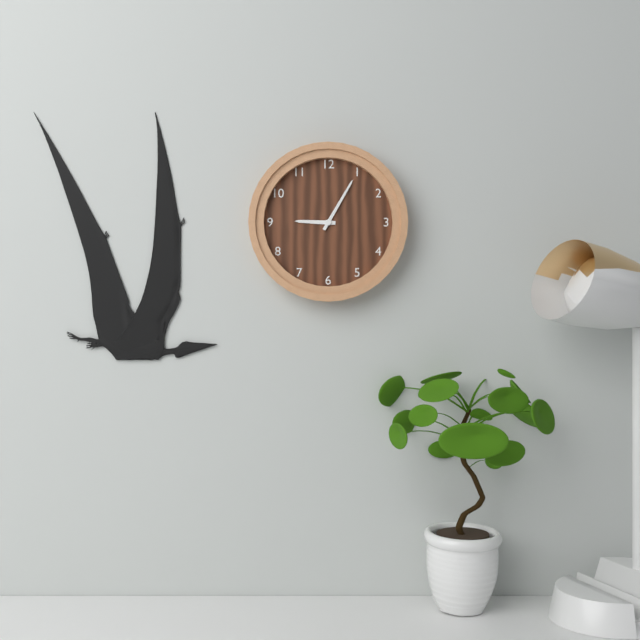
9:05
